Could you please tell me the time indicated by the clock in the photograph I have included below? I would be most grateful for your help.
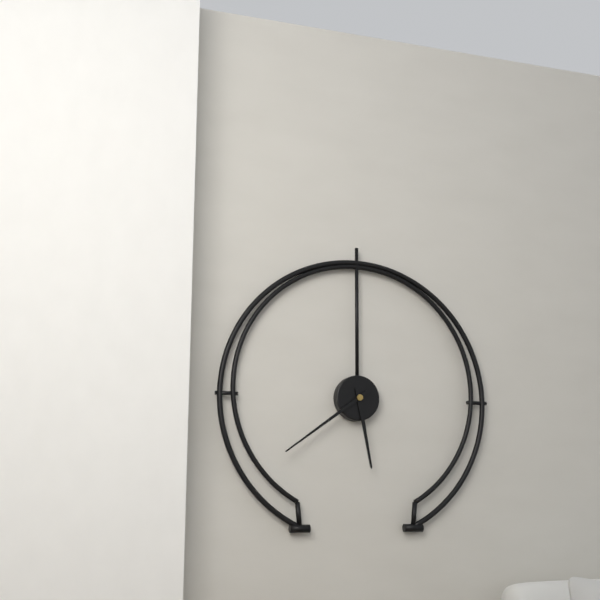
5:39
